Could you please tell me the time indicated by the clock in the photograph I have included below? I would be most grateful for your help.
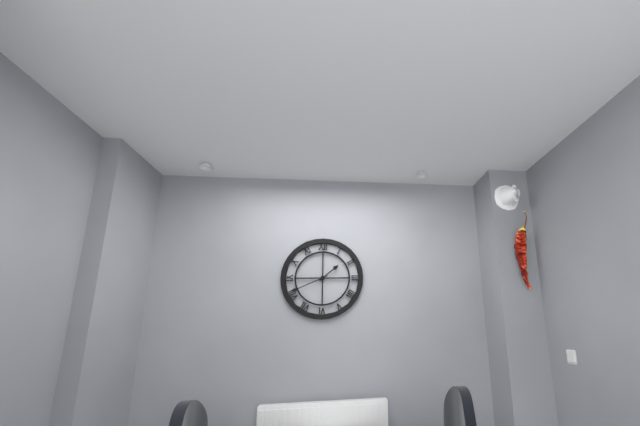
1:41
